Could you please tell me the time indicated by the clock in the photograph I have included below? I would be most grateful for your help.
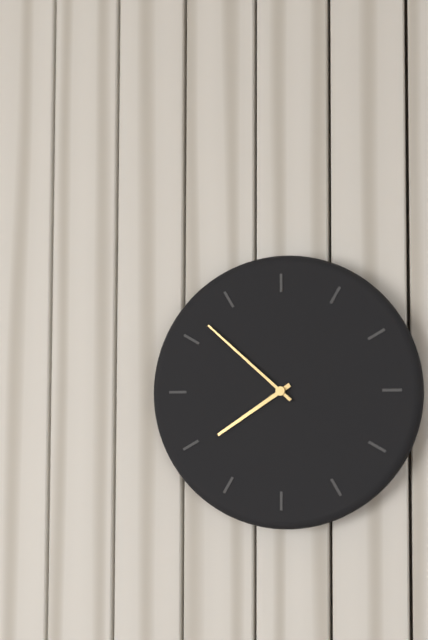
7:52
